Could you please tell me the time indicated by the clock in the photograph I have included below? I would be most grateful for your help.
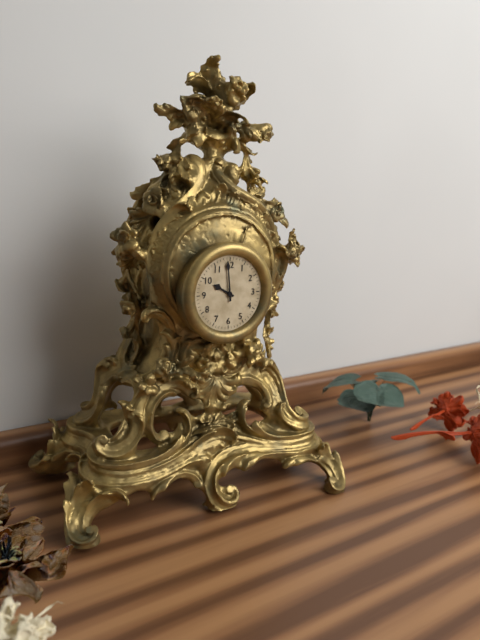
9:59
